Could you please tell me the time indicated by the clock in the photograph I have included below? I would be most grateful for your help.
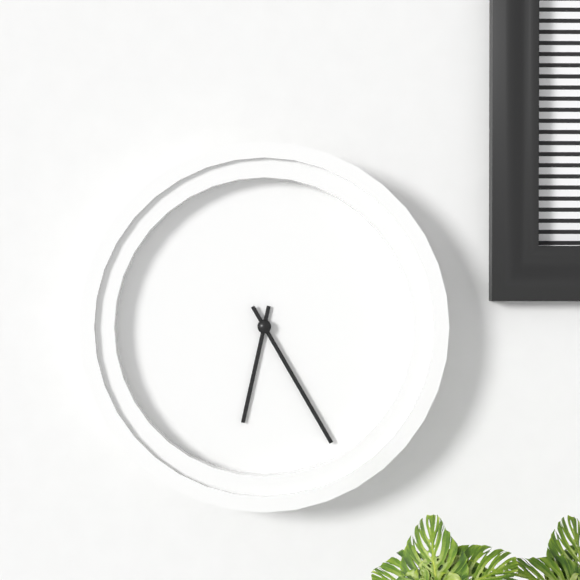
6:25
